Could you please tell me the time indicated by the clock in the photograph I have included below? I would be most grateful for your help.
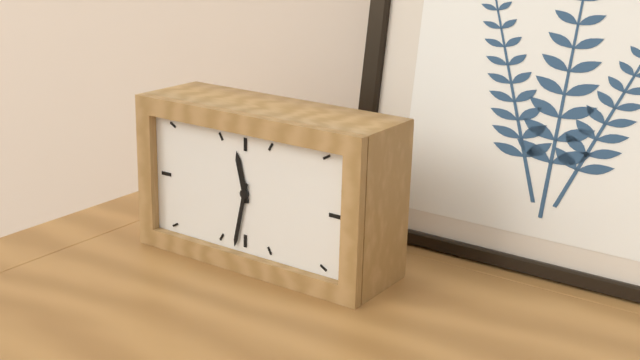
11:32
